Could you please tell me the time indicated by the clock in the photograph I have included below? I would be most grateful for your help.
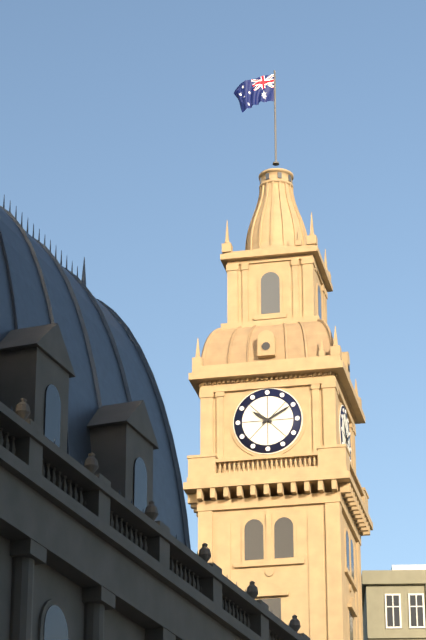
10:10
